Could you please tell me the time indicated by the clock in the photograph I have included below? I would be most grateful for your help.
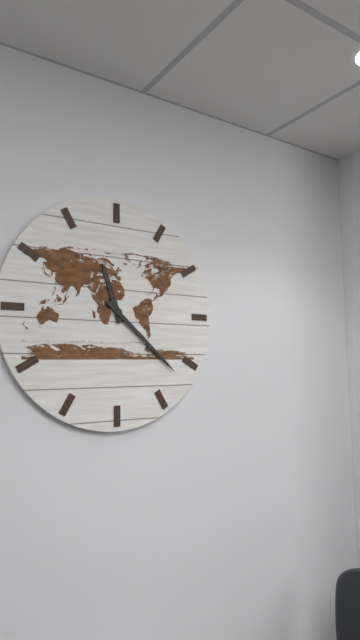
11:22
